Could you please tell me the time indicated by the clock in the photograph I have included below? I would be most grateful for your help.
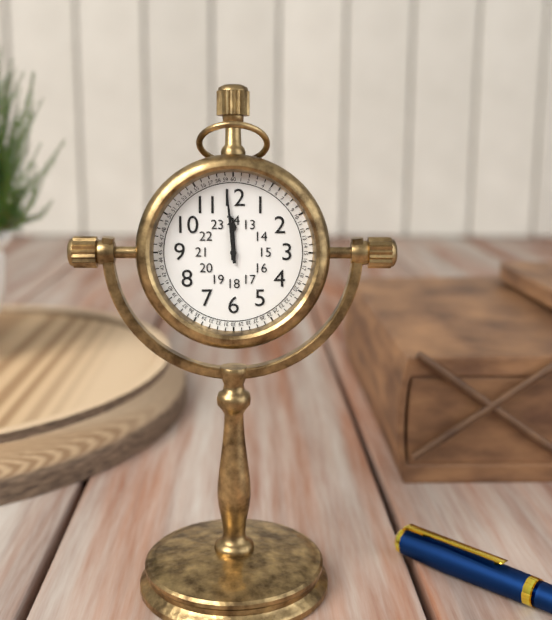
11:59
